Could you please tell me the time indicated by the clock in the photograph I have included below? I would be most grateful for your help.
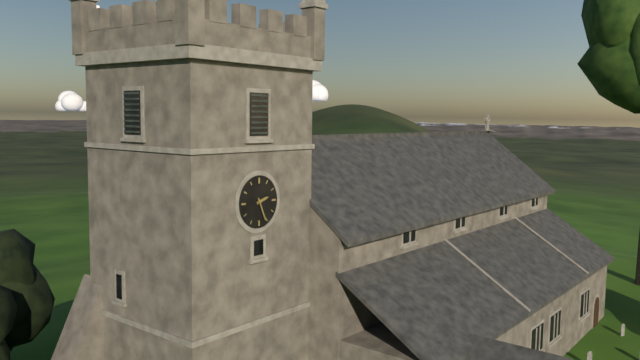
2:26
